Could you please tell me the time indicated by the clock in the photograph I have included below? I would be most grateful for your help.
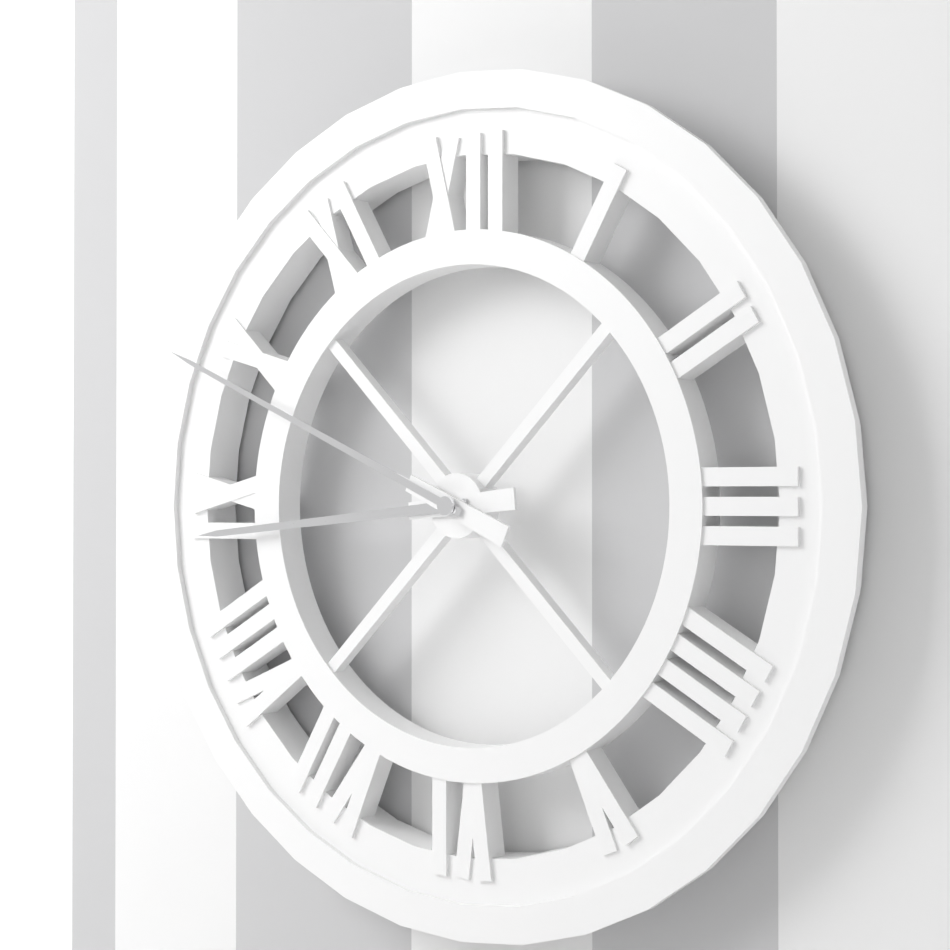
8:49
